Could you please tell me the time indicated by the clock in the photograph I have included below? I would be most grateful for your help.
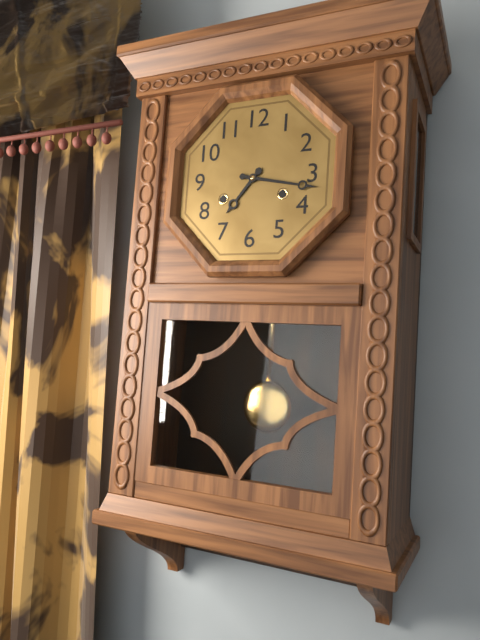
7:17
